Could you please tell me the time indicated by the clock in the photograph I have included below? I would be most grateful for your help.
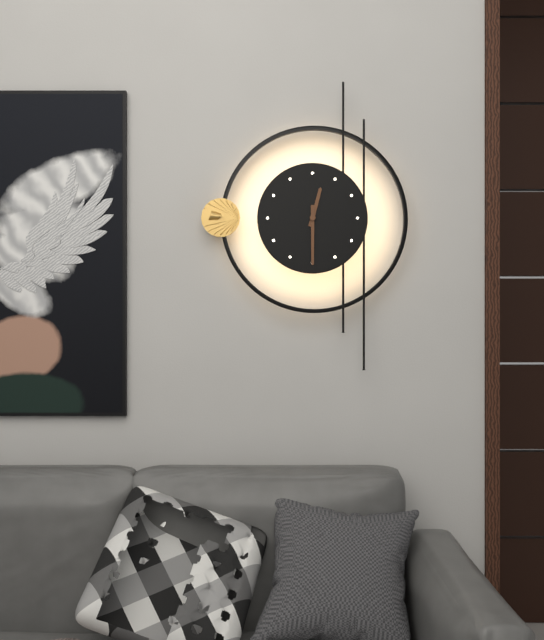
12:30
